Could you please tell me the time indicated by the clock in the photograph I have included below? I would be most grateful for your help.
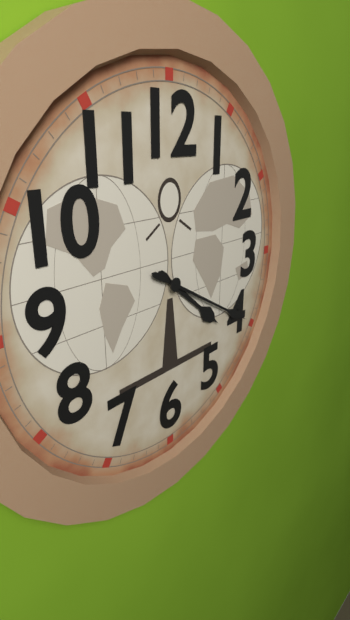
4:20
